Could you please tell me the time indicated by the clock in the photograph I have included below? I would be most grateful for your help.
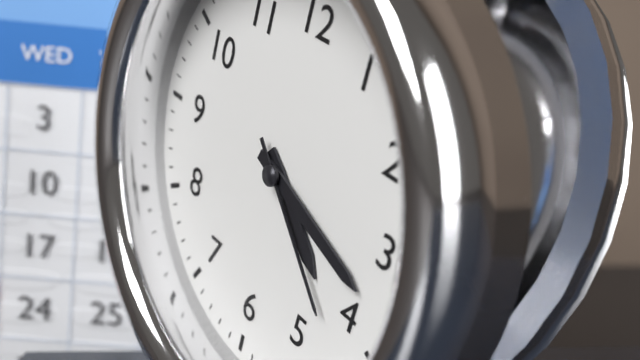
4:18:22
